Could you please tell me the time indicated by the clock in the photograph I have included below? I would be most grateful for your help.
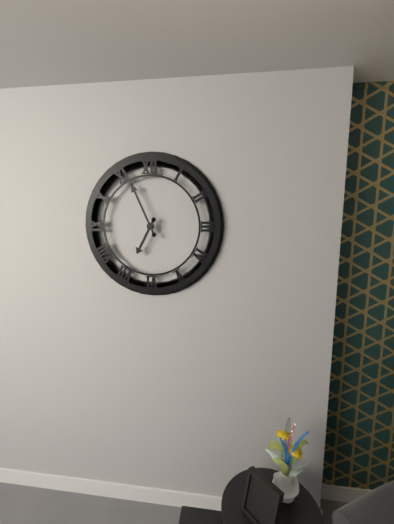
6:56
